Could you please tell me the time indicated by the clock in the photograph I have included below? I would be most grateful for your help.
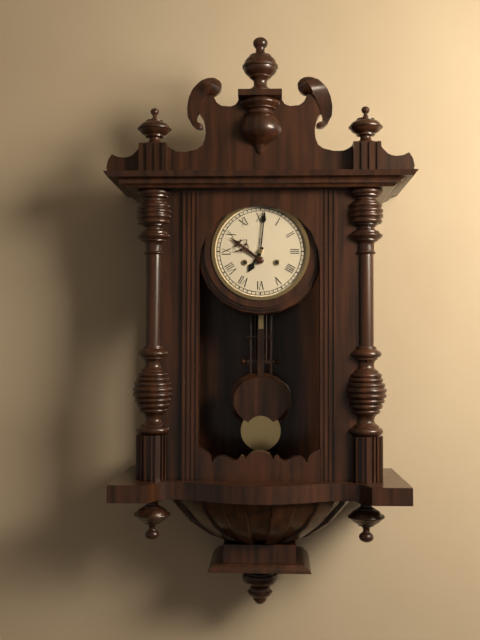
7:01
